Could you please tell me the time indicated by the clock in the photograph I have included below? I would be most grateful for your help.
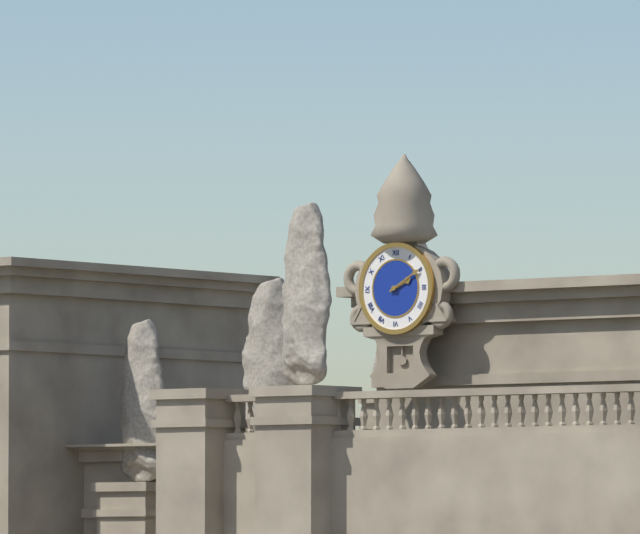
2:10
